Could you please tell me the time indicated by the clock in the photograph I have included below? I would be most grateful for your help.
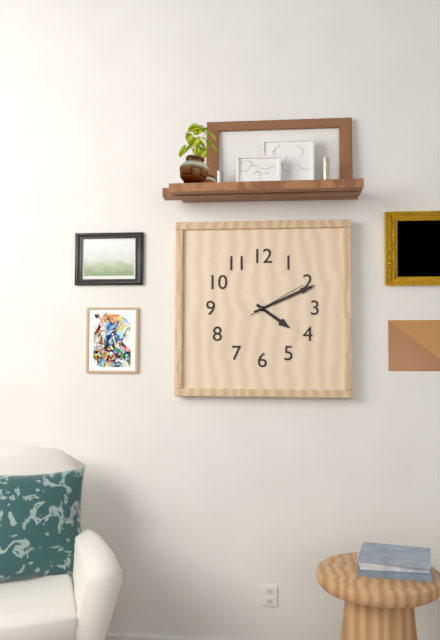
4:11:10
